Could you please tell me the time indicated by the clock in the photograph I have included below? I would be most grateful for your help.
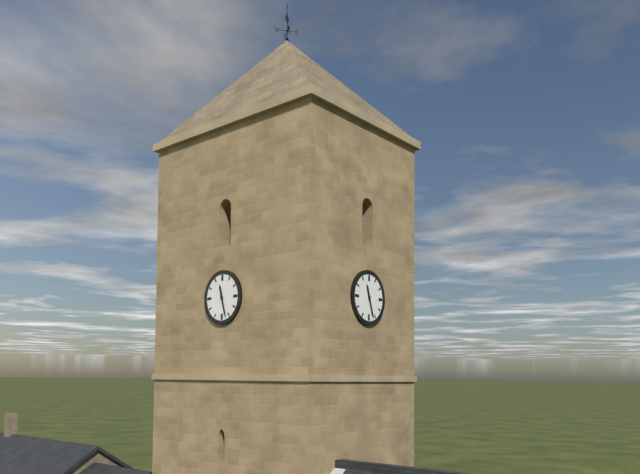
11:27
